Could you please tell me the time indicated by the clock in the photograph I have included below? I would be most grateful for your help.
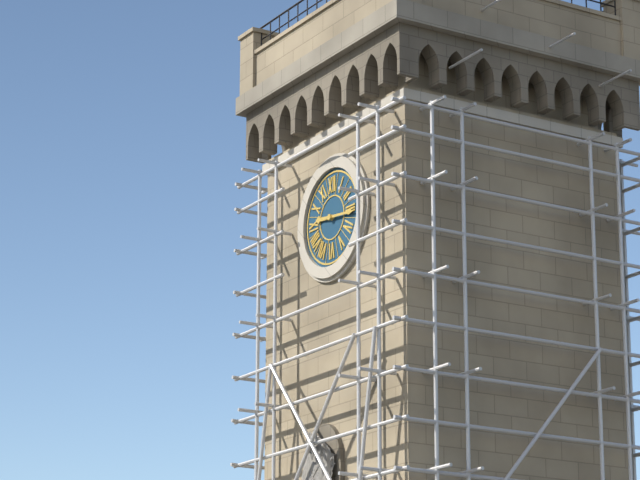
9:16
